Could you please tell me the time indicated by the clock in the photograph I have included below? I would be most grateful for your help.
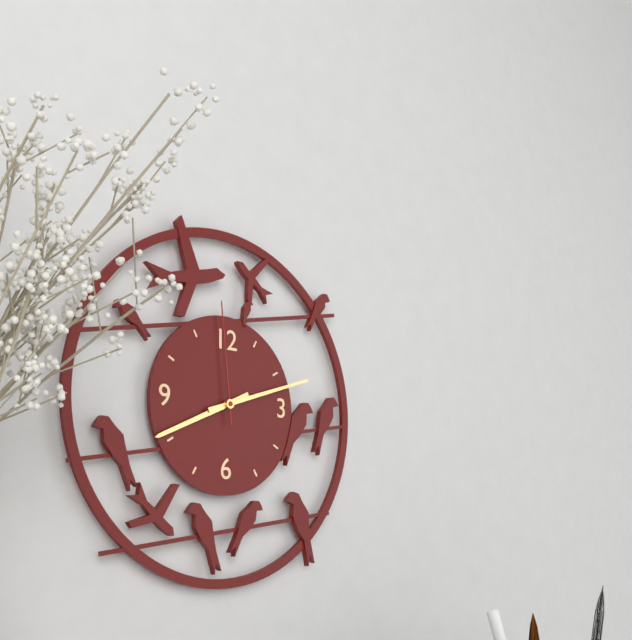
8:12:59
